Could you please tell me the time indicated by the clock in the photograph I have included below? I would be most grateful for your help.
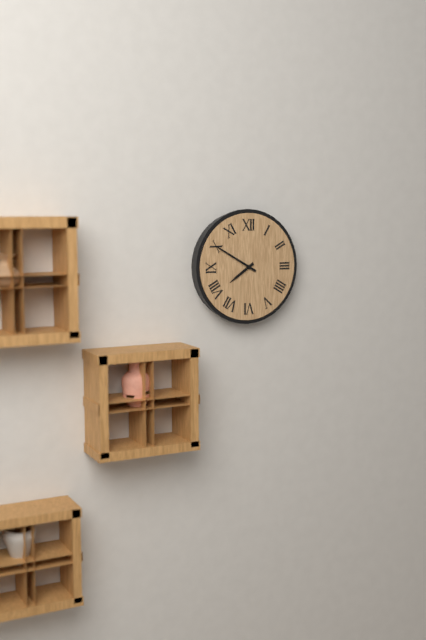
7:50
